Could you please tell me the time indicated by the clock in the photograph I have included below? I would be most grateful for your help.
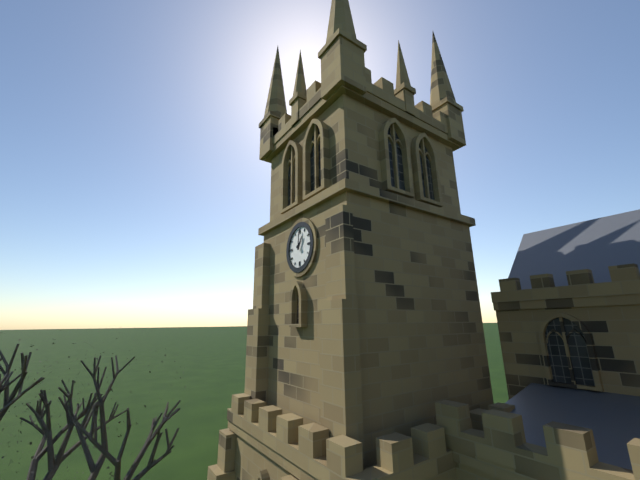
1:01
